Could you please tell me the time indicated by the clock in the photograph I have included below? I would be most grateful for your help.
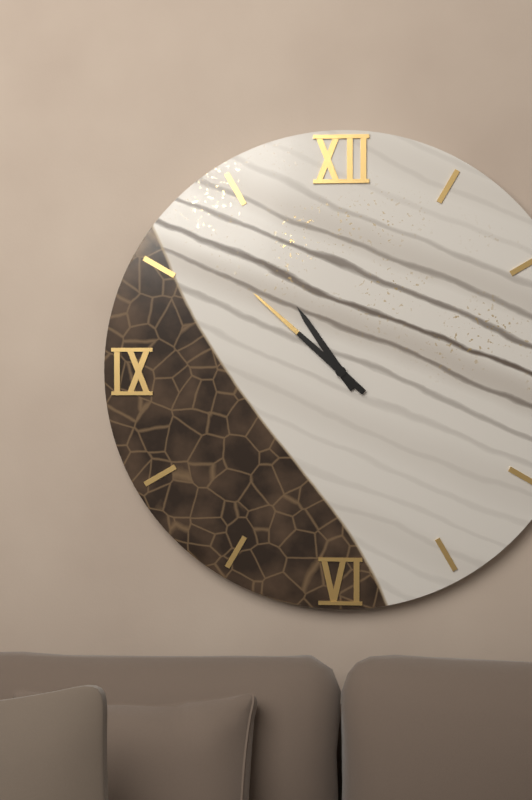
10:52
